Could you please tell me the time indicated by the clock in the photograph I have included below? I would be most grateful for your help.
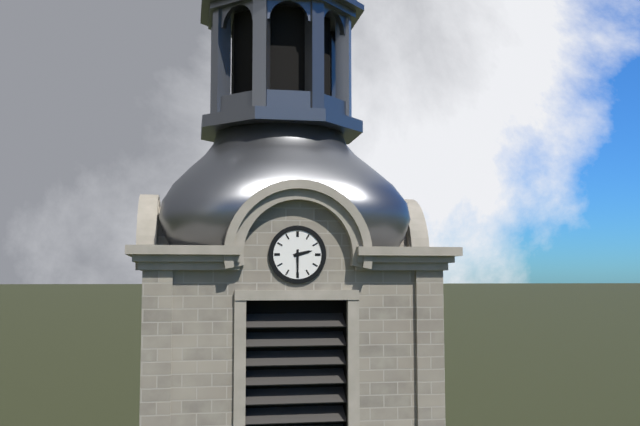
2:30
